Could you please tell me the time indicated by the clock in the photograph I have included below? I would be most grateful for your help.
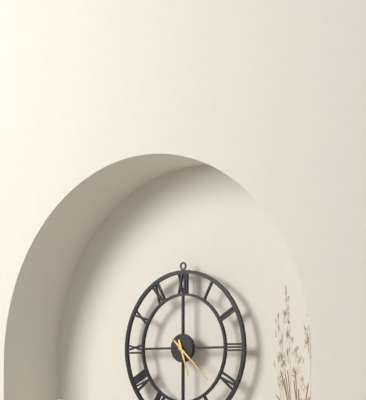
5:22
